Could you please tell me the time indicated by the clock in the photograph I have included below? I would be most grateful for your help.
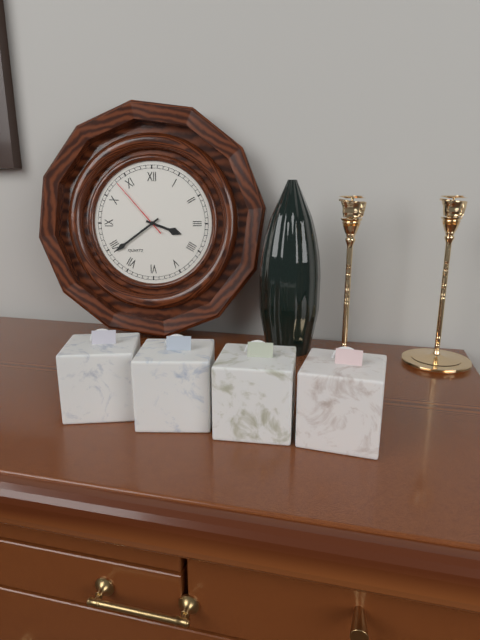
3:39:53
